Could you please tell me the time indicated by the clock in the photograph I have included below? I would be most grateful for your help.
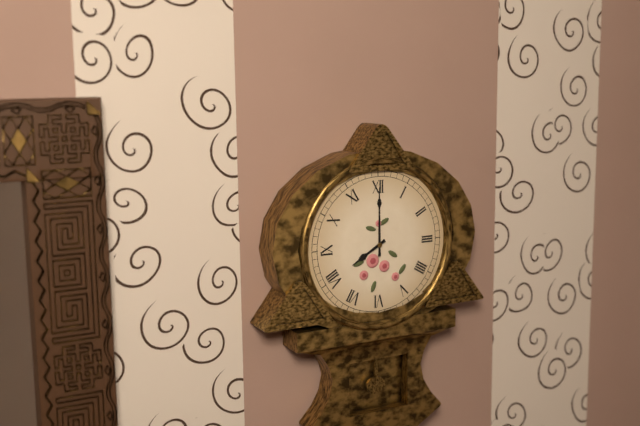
8:00
